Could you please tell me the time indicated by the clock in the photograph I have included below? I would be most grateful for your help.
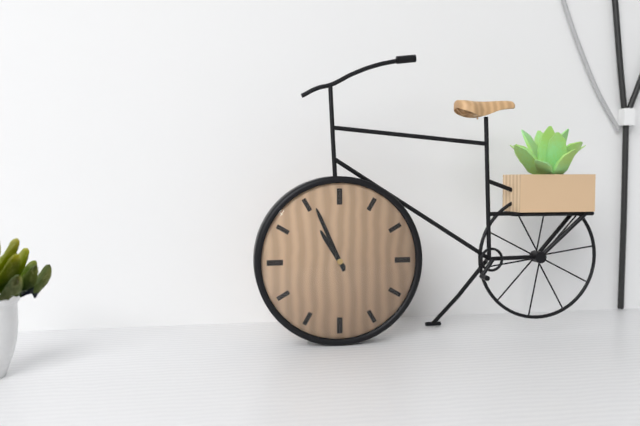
10:56
